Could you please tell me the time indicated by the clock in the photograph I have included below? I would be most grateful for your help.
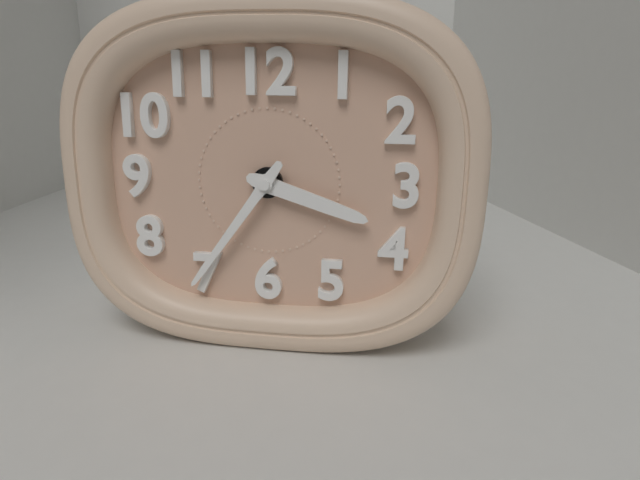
3:36
